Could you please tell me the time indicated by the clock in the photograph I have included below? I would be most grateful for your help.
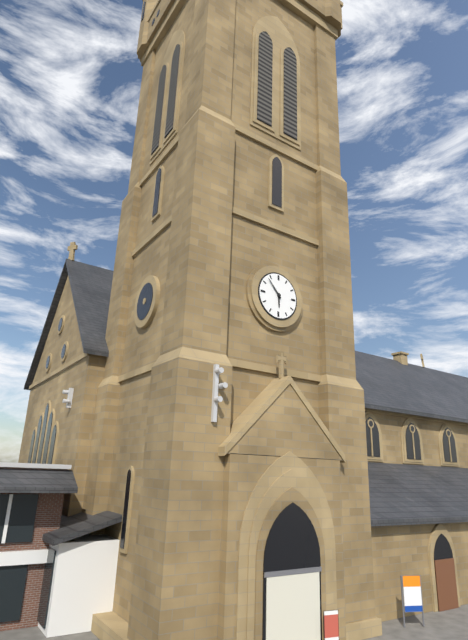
5:53
